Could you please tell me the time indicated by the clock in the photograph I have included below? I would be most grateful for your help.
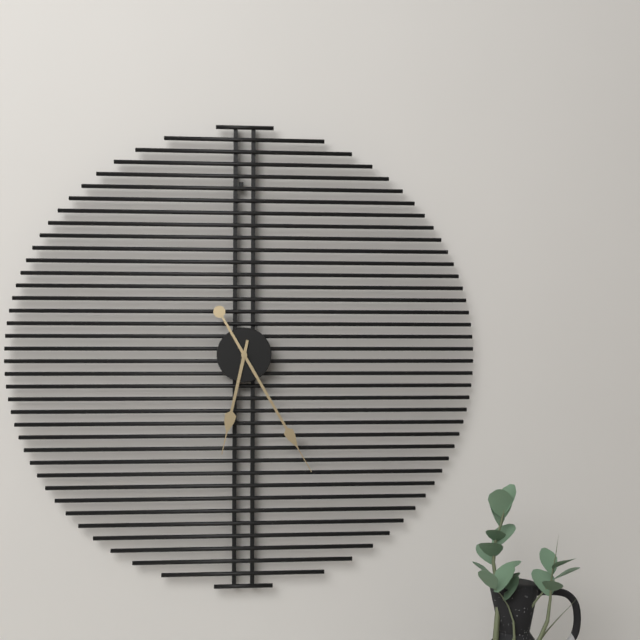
6:25
